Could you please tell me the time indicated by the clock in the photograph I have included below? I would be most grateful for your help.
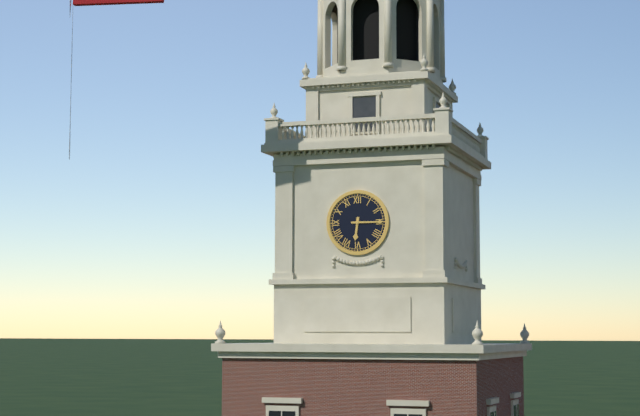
6:15
